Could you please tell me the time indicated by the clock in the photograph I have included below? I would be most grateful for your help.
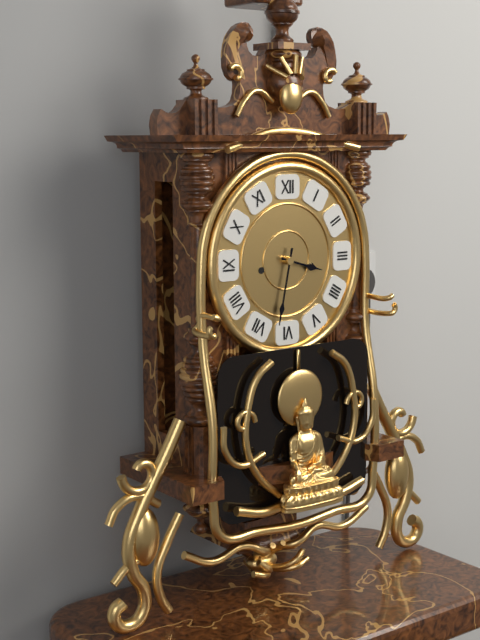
3:32
